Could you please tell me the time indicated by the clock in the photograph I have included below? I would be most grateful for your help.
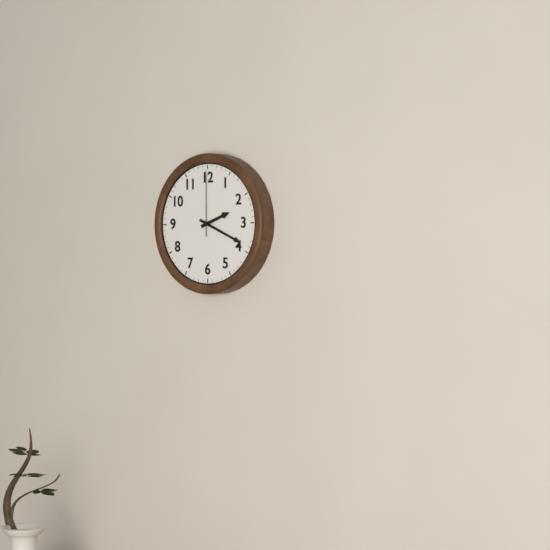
2:19:00
